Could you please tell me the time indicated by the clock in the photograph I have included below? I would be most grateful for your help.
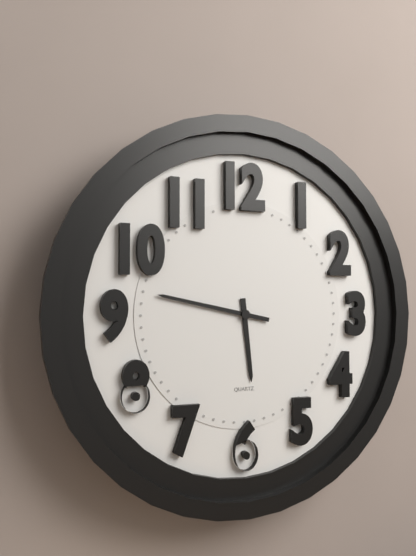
5:47
